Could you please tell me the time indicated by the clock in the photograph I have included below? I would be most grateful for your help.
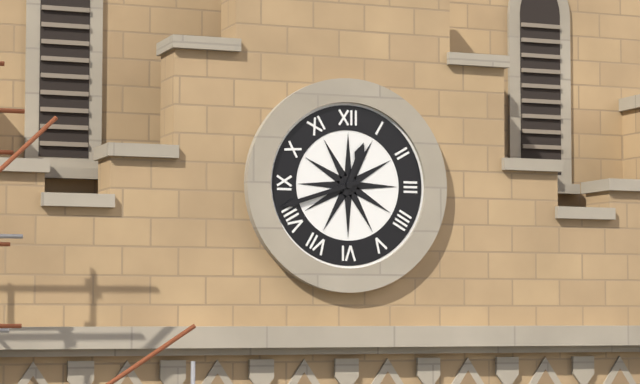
12:42
